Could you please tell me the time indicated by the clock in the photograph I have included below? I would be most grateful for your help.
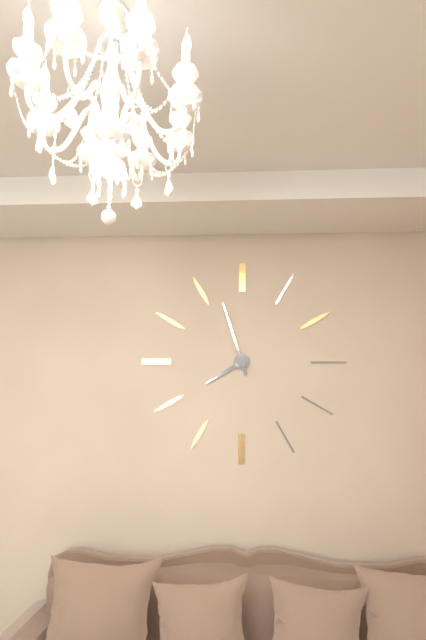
7:57
